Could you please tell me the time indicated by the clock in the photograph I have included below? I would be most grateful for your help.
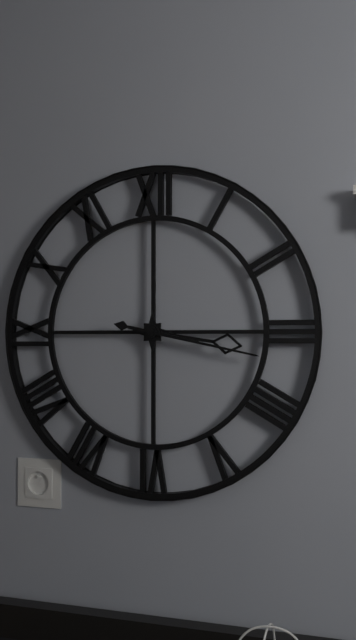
3:17
